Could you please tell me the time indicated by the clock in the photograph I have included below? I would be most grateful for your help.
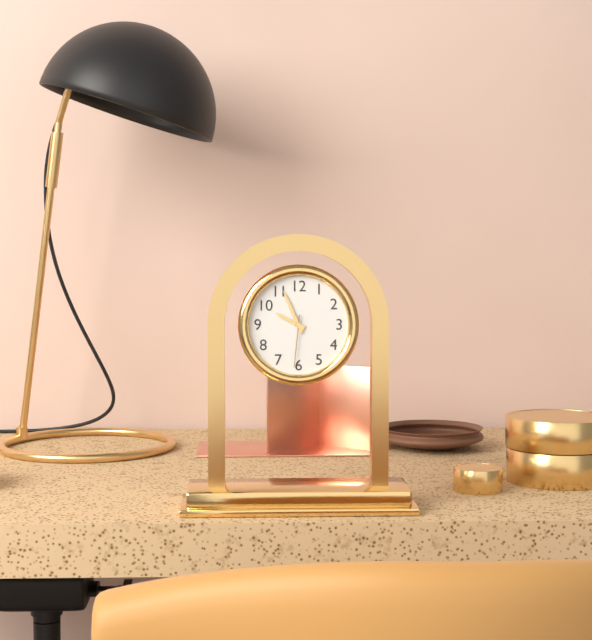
9:56:31
